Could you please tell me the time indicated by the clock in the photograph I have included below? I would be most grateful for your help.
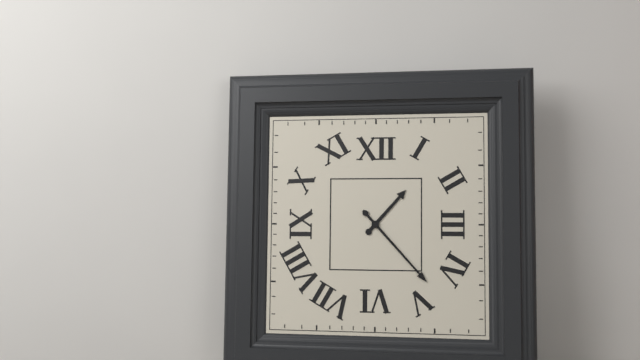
1:23
